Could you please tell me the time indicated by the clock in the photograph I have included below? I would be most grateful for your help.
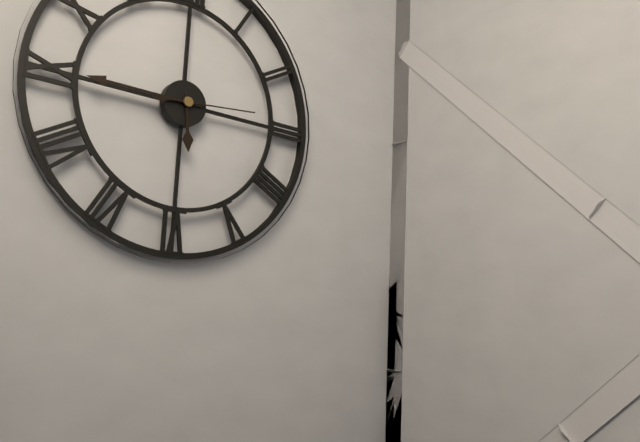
5:45:14
